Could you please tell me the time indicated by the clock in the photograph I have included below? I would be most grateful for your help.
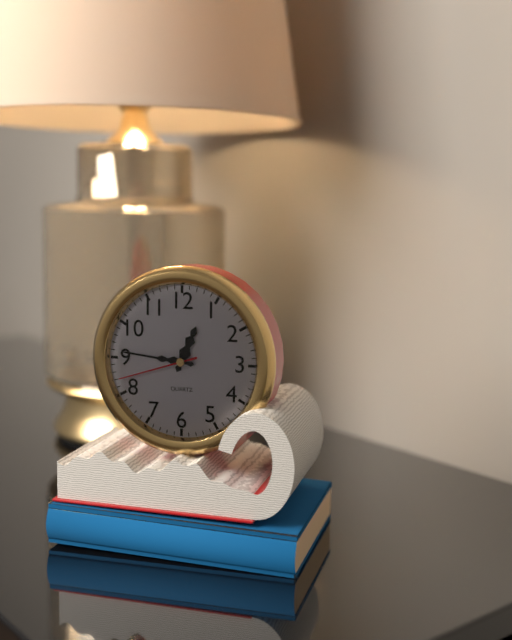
12:46:42
